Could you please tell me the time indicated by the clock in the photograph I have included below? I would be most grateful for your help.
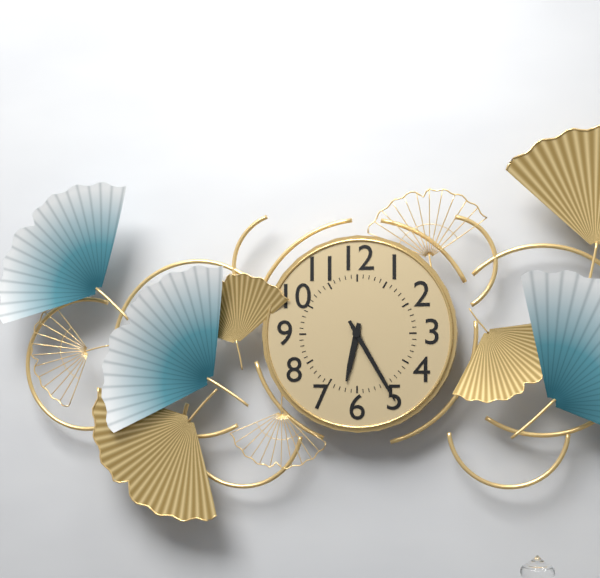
6:25
